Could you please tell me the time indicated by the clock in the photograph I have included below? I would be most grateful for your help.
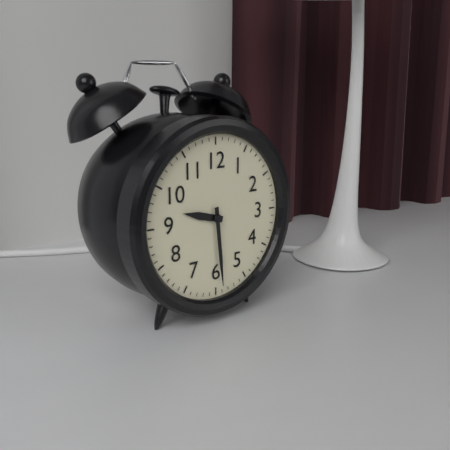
9:29
